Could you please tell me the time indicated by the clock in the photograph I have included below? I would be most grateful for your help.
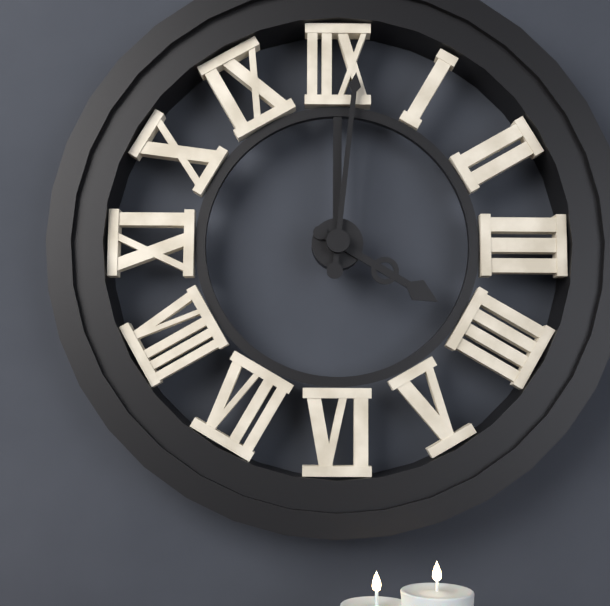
4:01
